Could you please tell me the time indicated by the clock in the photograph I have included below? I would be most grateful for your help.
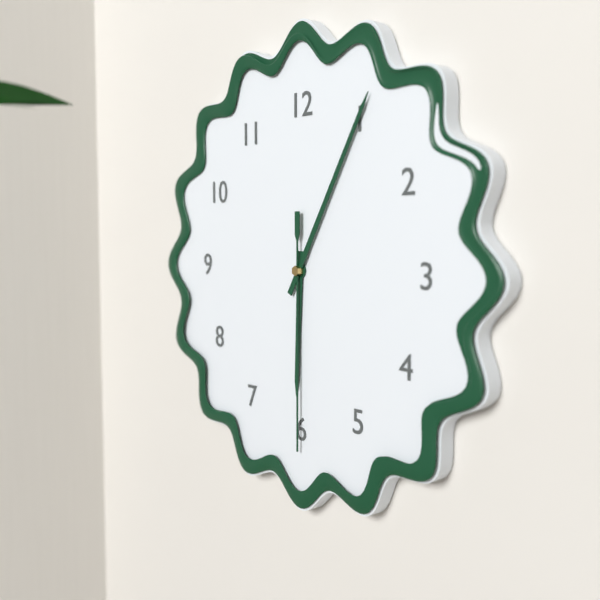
6:05:30
